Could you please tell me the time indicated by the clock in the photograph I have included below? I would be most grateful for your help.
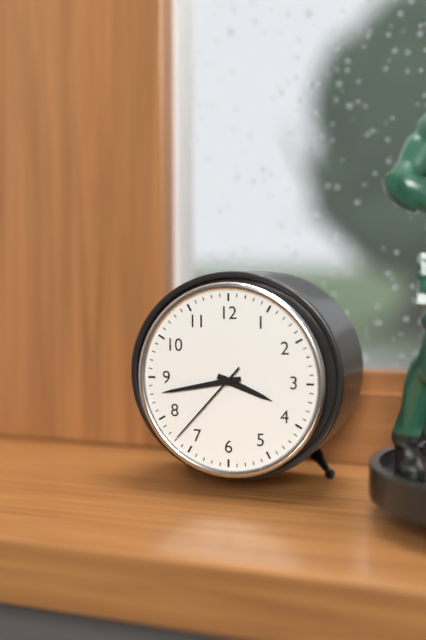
3:43:37
